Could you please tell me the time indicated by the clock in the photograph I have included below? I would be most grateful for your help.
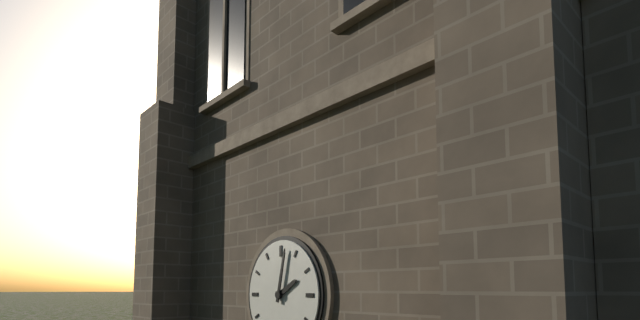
2:02
